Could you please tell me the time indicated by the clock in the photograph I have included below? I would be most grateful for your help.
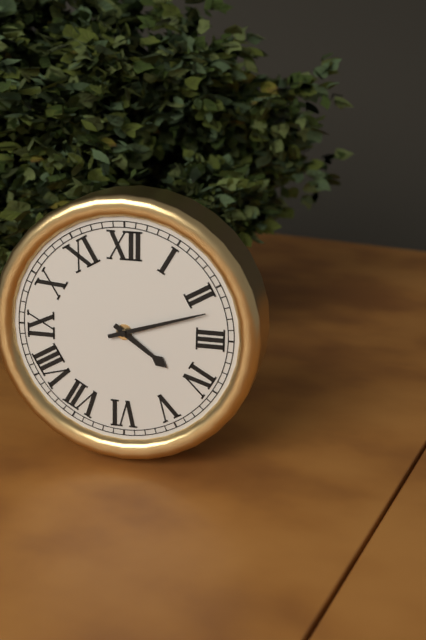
4:12
